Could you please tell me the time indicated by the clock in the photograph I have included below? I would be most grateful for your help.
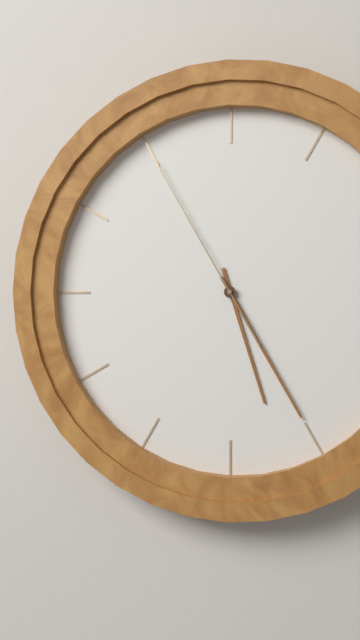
5:25:55
